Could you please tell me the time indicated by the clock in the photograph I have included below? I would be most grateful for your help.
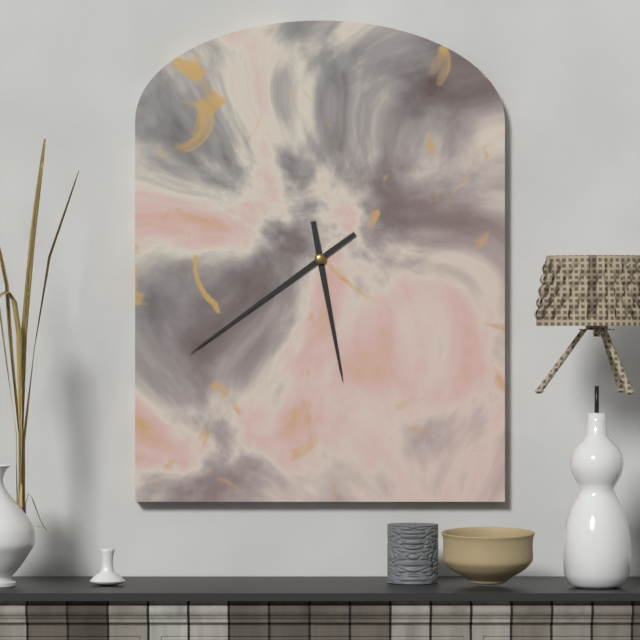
5:39
